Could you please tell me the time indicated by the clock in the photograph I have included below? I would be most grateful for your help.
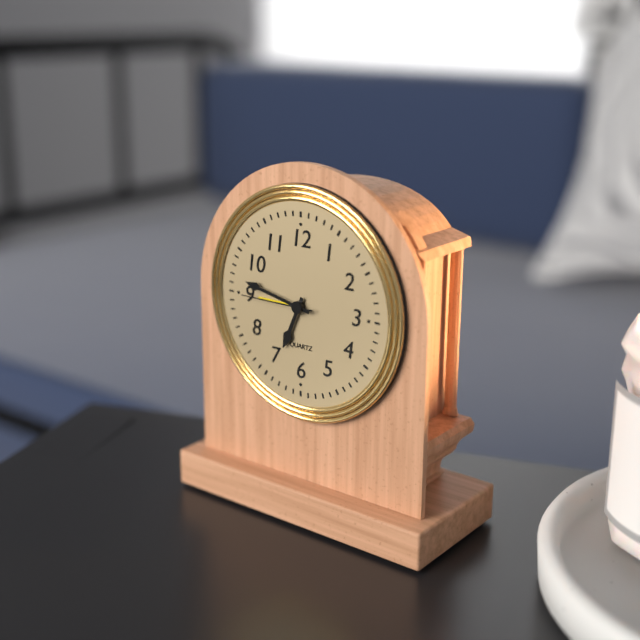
6:47:45
